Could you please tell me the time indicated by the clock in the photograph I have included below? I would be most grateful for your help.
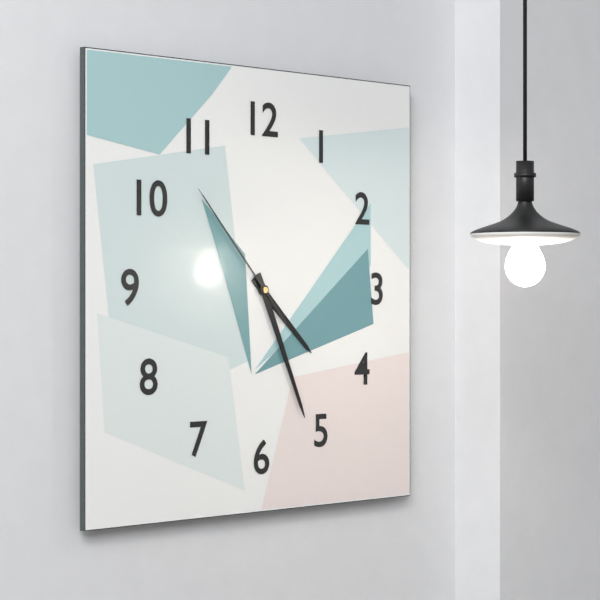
4:26:53
